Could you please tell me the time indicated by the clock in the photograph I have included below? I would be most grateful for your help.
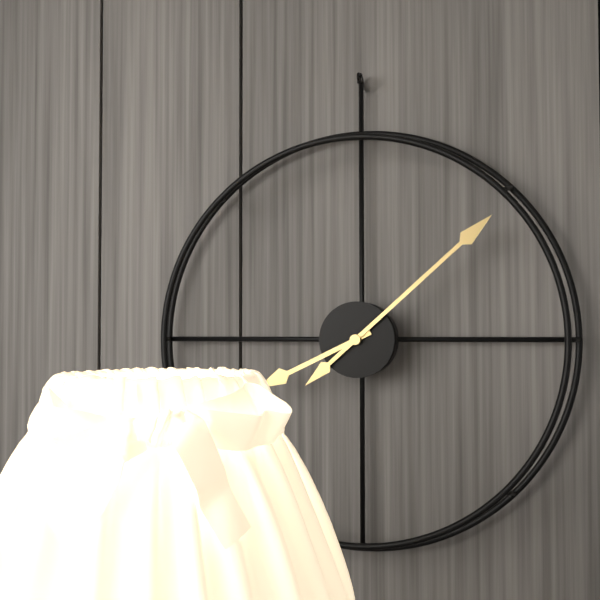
8:08
